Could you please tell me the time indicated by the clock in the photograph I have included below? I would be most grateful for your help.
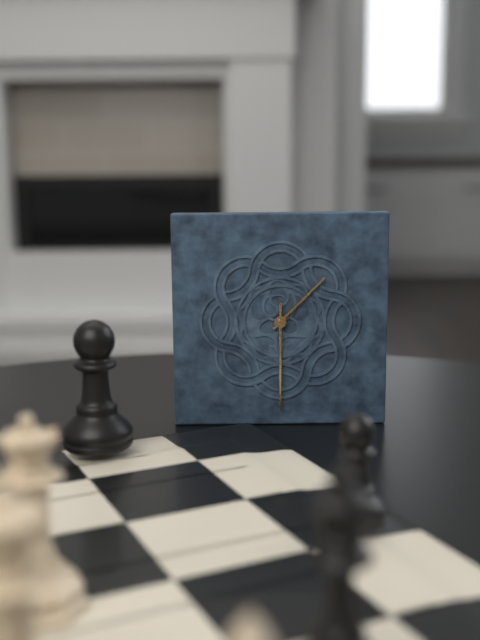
1:30
